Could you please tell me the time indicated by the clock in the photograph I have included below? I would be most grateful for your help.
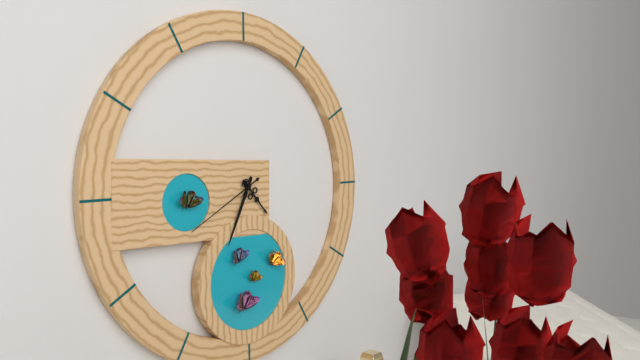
4:34:40
